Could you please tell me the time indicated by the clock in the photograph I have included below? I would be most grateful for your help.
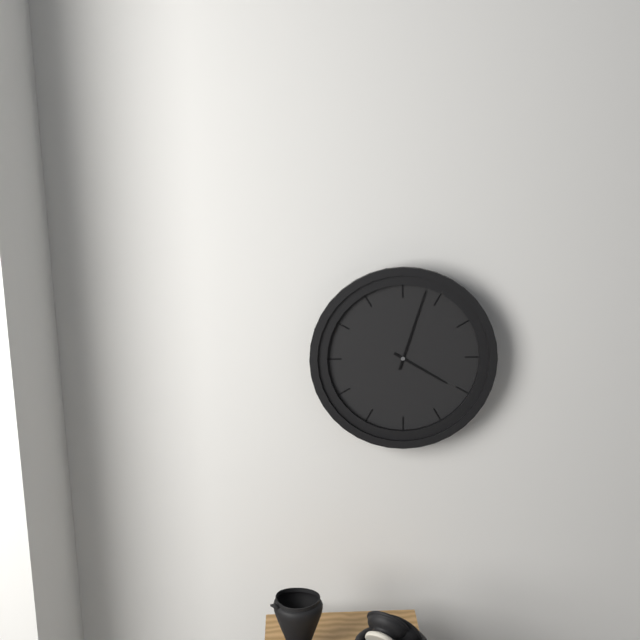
4:03
